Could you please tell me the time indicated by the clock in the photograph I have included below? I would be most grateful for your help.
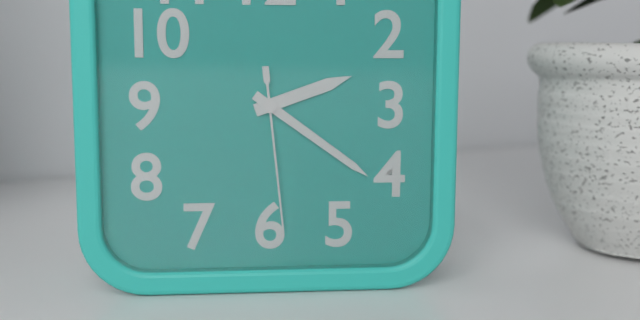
2:21:29
